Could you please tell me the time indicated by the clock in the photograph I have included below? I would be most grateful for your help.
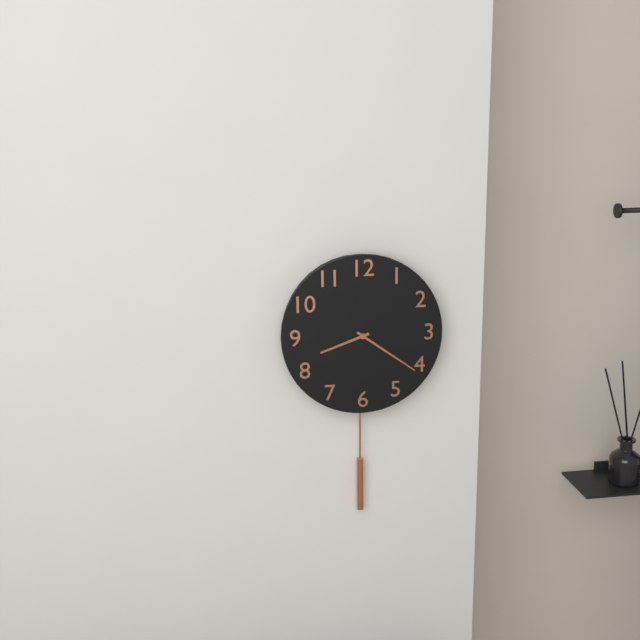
8:21
